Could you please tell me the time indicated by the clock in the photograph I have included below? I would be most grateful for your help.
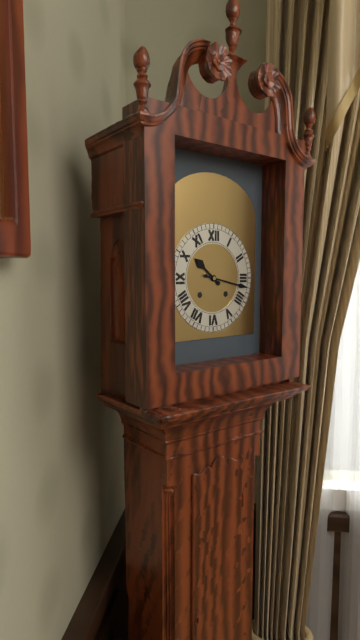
10:17
